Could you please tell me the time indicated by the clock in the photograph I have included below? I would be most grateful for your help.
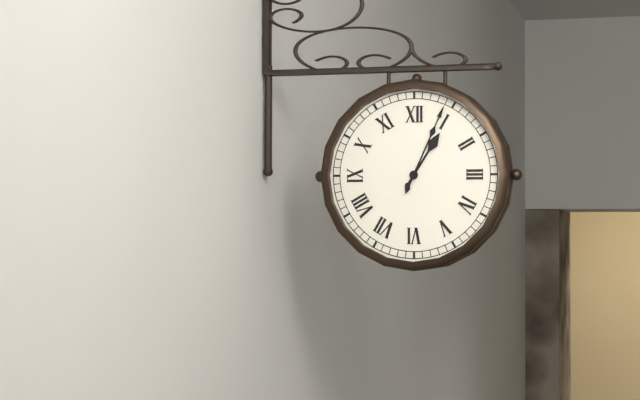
1:04
